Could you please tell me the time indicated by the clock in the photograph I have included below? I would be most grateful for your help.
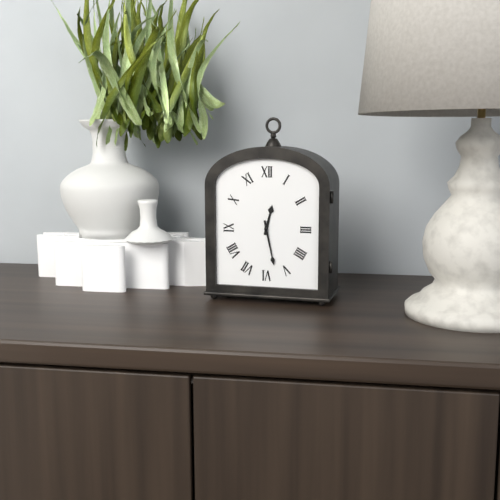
12:28
